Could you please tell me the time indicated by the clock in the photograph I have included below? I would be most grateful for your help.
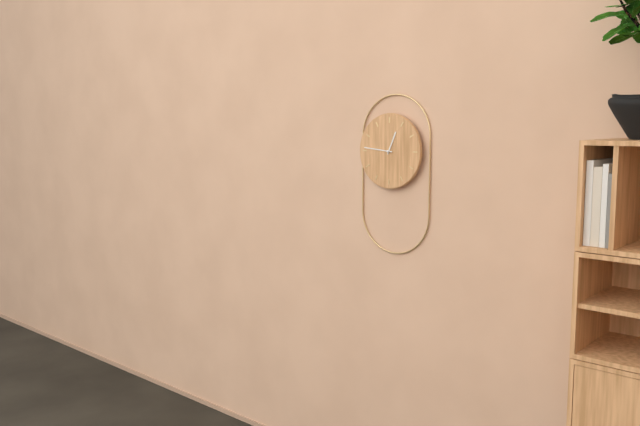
12:46
